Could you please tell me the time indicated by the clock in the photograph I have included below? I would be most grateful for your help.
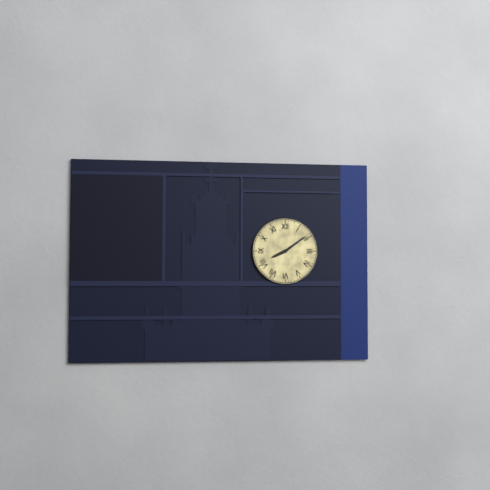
8:09
